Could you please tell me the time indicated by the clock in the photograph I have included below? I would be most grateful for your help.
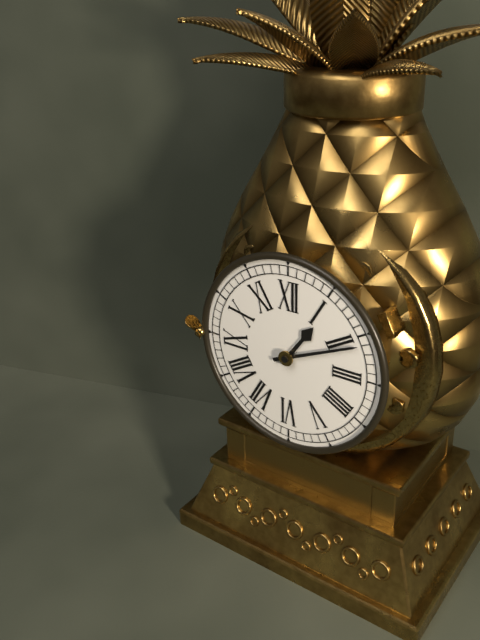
1:11
